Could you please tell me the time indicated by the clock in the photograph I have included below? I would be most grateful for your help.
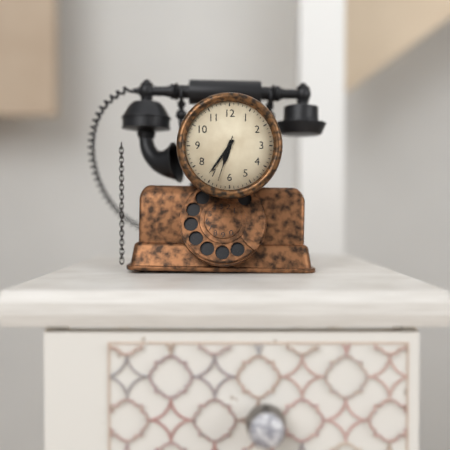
6:36
